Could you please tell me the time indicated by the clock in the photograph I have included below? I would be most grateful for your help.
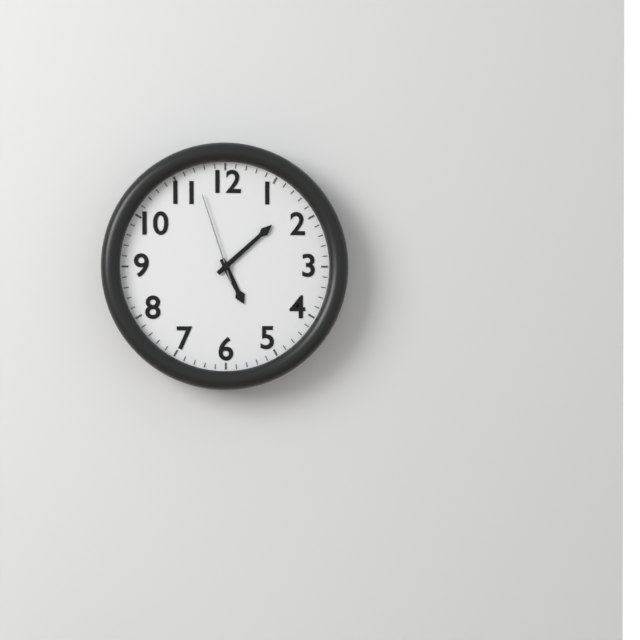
5:08:57
